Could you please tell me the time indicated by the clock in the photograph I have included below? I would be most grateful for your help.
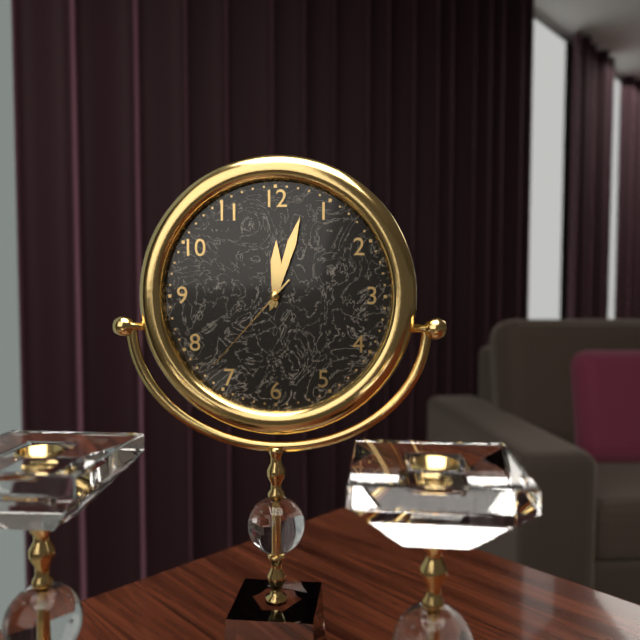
12:03:37
